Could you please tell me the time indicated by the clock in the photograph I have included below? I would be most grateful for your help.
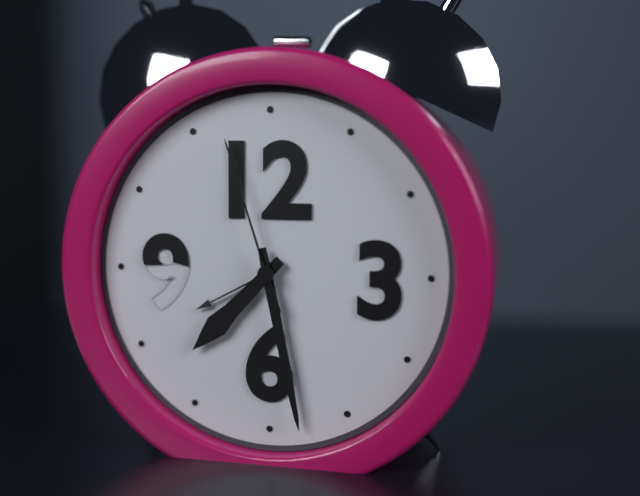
7:28:57
